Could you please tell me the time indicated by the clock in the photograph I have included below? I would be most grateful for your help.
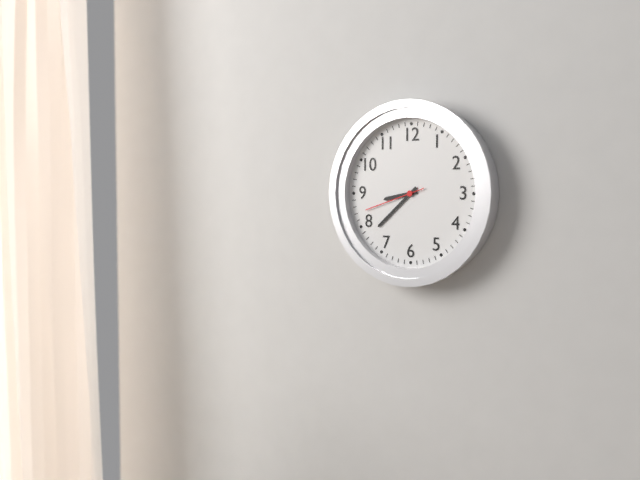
8:38:42
